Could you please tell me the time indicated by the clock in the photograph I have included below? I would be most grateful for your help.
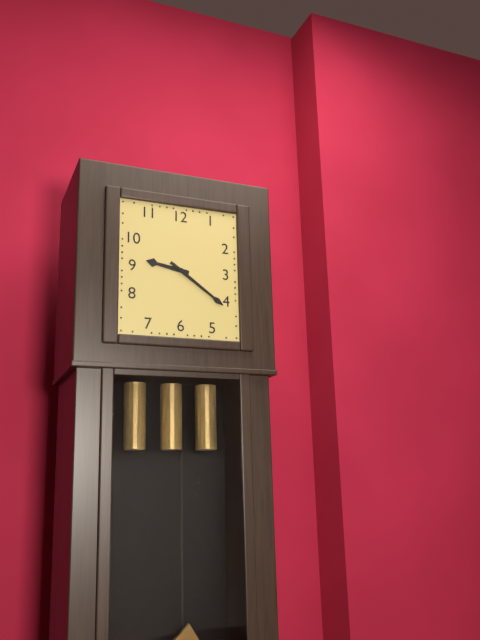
9:21
